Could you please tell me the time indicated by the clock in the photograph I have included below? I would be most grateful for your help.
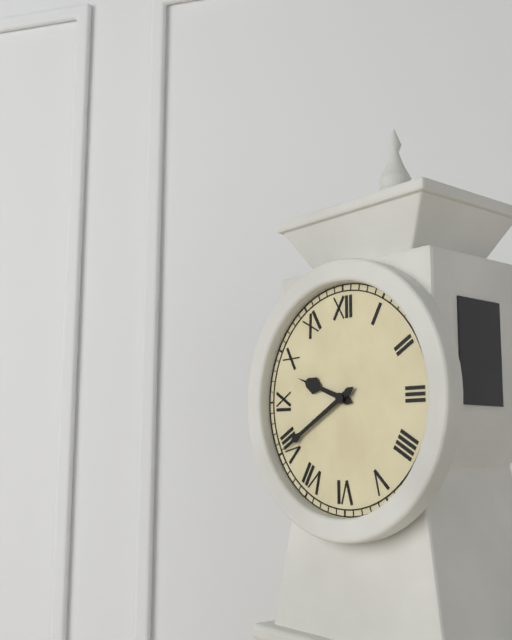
9:40
